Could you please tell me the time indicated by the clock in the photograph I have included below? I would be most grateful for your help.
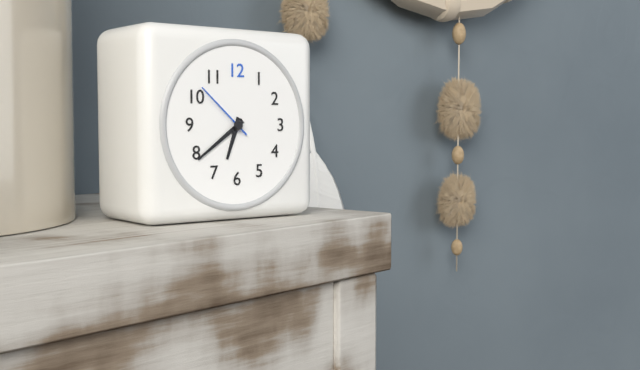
6:39:52
